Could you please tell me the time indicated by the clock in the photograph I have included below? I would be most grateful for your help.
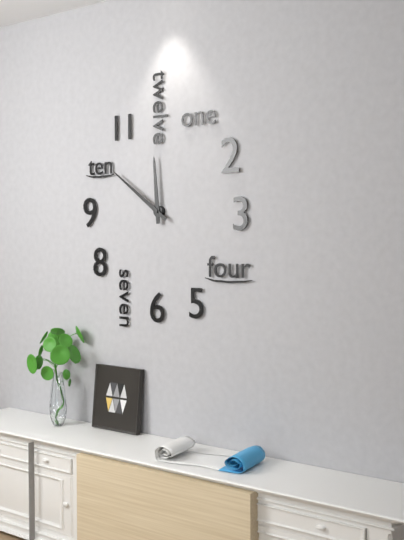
11:51
